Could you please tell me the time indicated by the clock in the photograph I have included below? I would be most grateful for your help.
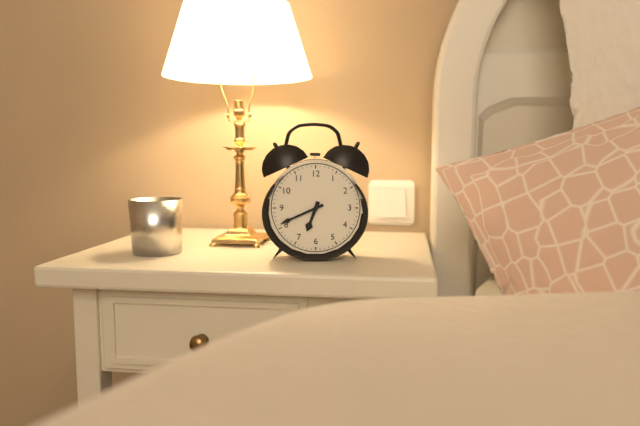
6:41
